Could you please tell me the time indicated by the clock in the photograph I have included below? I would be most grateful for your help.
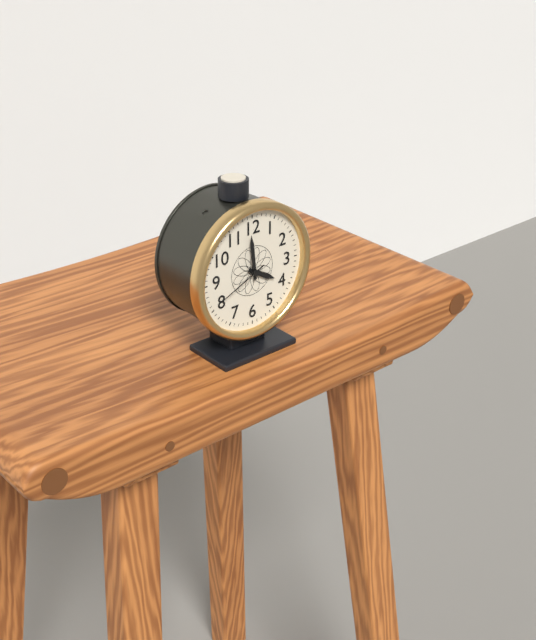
3:59:41
